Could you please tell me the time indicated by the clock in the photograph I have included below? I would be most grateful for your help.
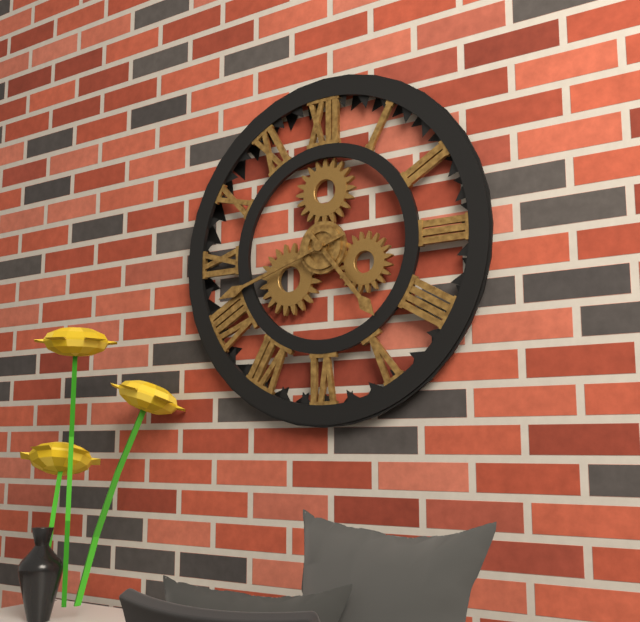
4:42
